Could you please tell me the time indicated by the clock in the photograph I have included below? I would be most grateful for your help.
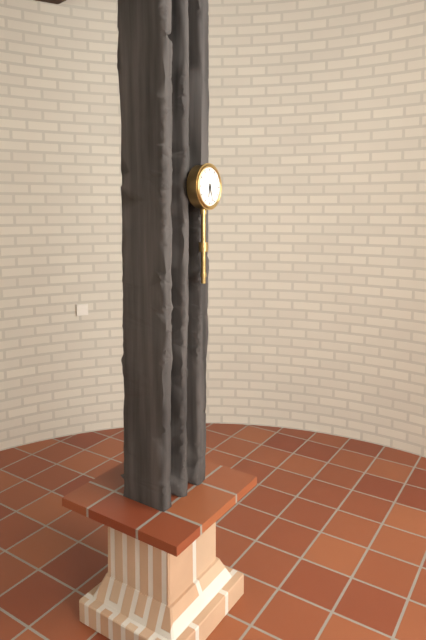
6:27
